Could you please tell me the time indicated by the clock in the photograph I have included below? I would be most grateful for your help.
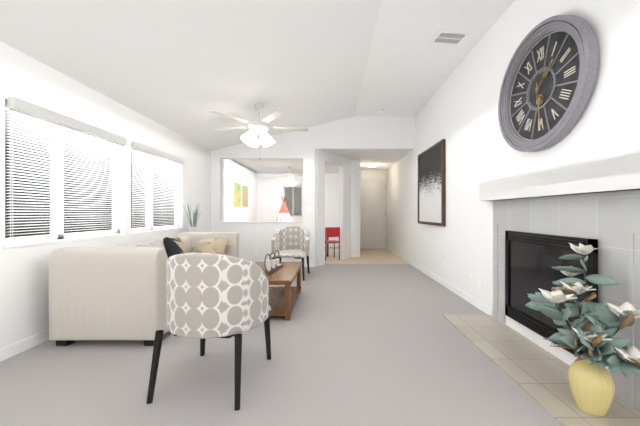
1:29
